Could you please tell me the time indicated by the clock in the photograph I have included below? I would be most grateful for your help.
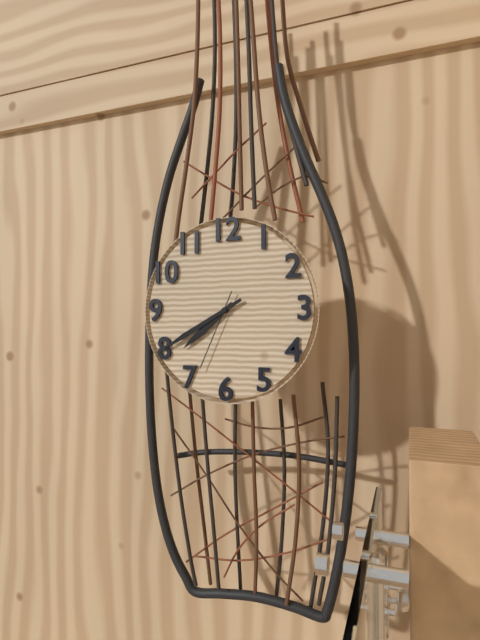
7:40:34
